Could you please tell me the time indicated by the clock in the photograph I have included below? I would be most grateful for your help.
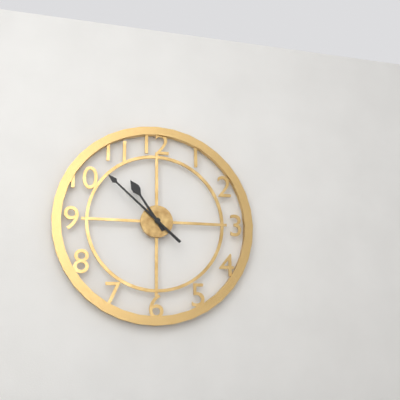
10:52
